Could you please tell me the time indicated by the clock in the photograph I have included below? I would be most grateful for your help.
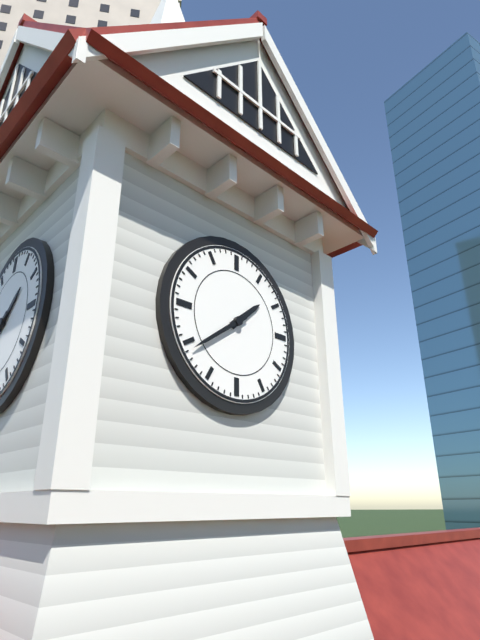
1:39
